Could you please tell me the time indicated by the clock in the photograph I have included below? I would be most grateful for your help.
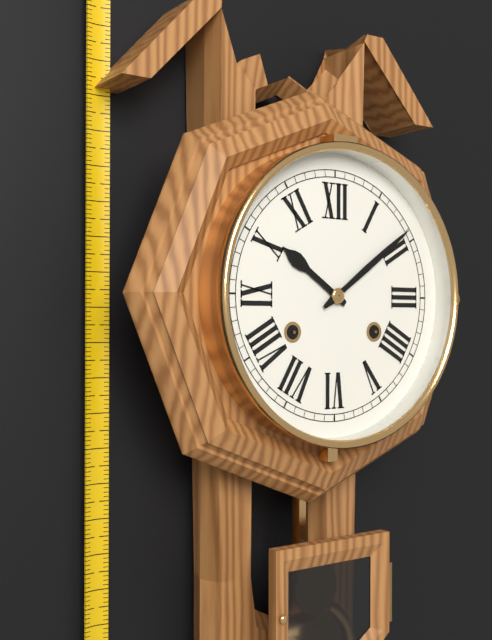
10:09
